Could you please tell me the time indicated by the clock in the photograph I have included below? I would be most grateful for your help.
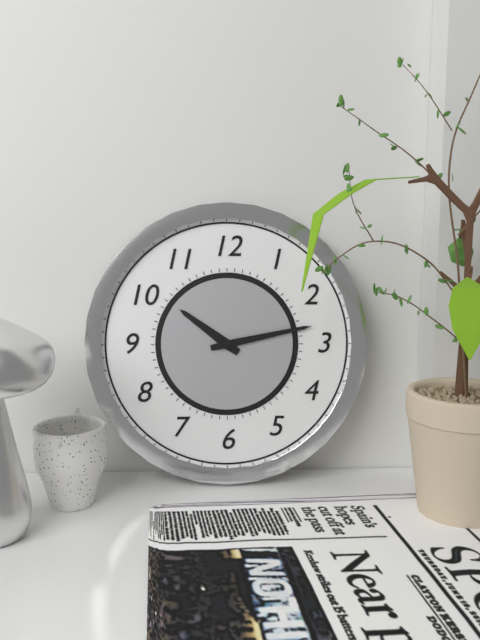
10:13
